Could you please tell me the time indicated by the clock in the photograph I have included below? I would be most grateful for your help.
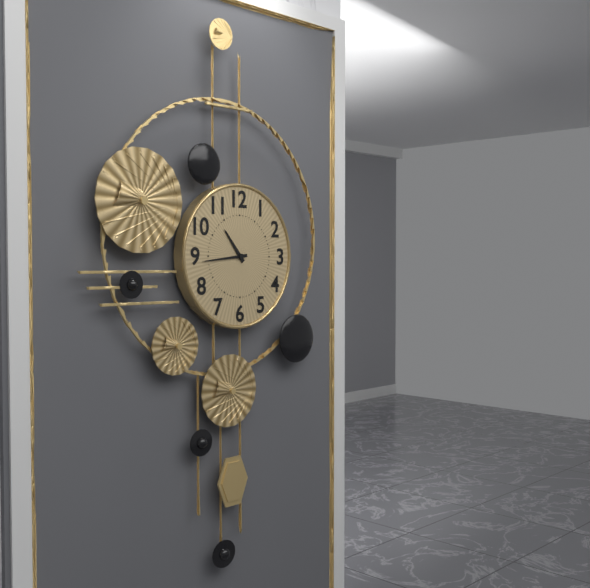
10:44
